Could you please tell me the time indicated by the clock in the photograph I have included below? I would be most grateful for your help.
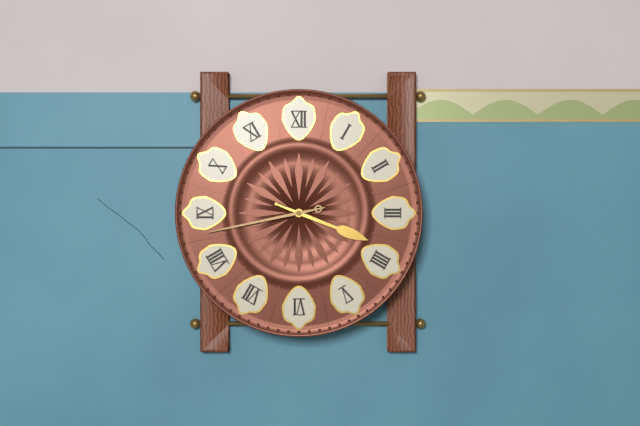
3:43
